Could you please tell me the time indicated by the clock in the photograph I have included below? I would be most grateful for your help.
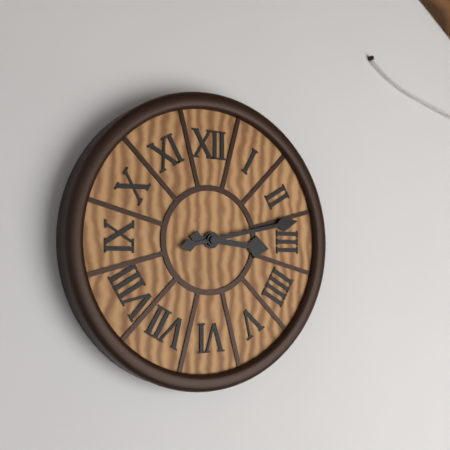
3:13
